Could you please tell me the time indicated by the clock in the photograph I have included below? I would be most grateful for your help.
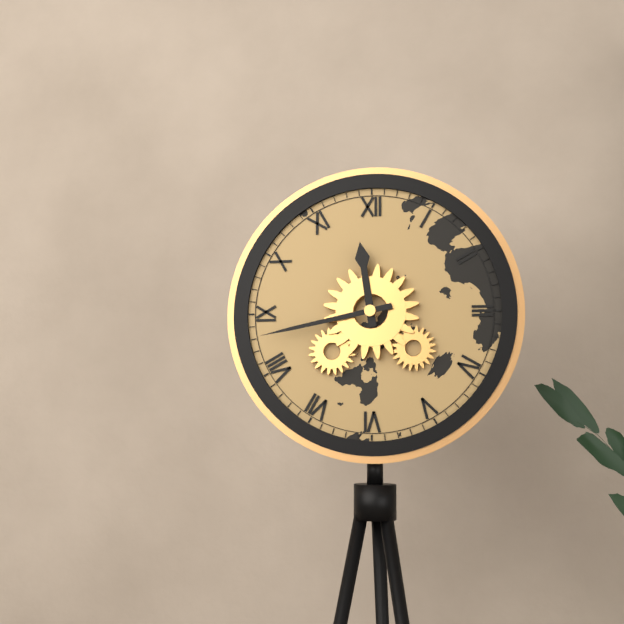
11:43
